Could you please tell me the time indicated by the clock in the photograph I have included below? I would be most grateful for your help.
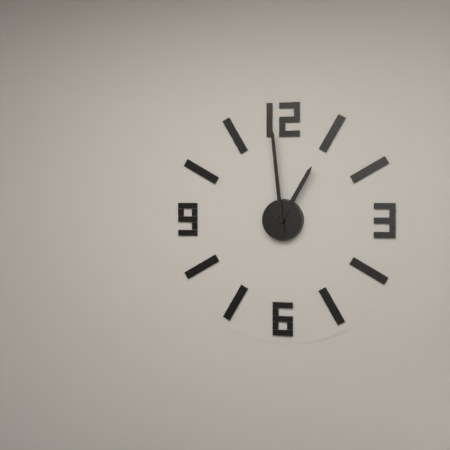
12:59
